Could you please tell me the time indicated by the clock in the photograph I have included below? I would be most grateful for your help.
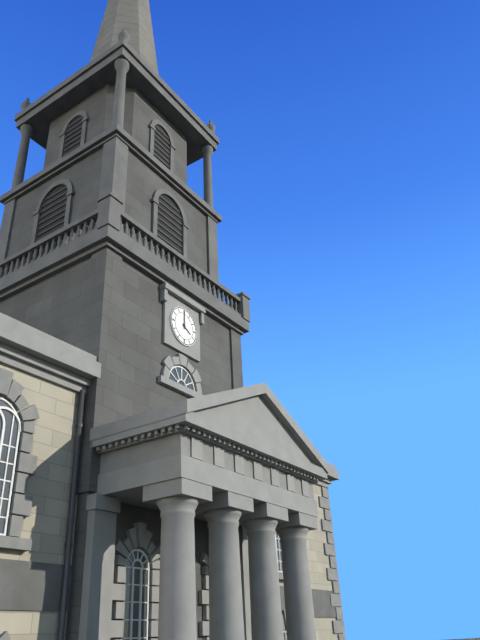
4:00
